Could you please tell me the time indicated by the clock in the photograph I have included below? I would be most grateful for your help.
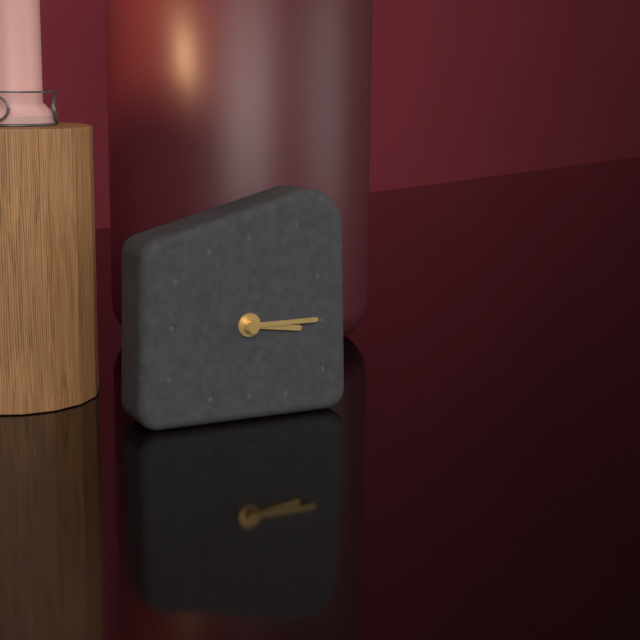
3:15
